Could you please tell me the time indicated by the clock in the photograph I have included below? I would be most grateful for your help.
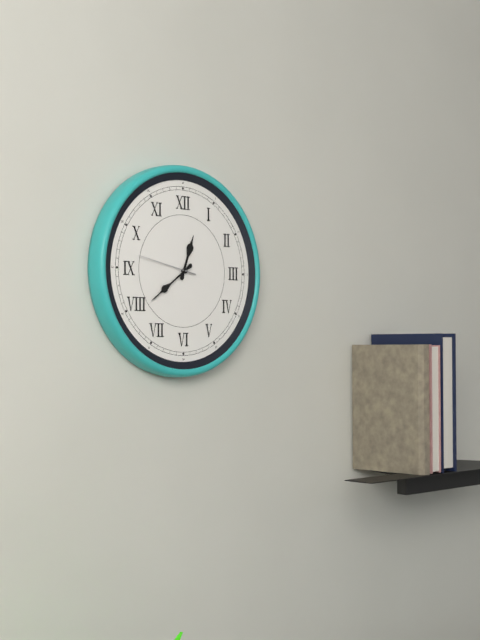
12:39
